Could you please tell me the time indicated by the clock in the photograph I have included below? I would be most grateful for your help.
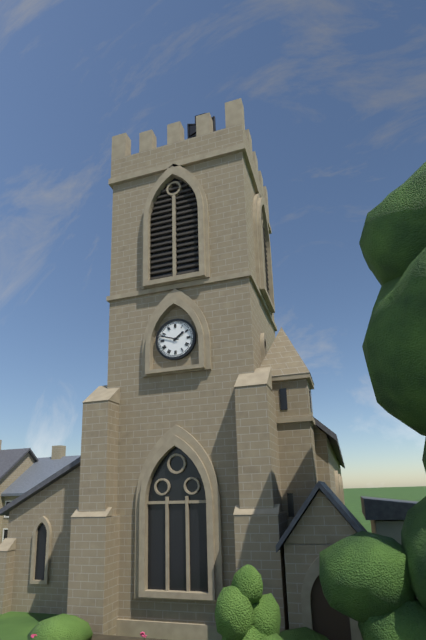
1:48
